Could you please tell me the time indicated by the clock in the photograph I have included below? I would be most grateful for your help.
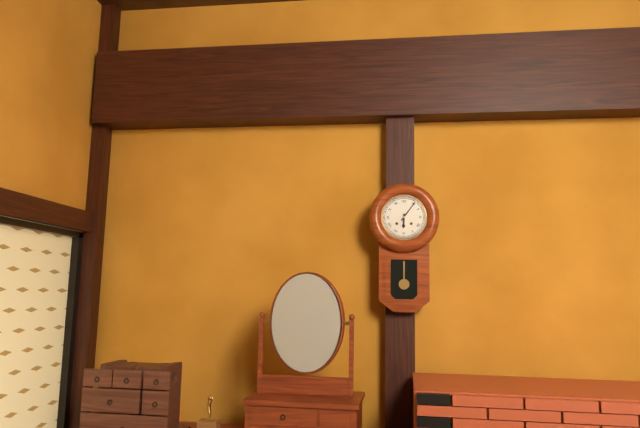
6:06
